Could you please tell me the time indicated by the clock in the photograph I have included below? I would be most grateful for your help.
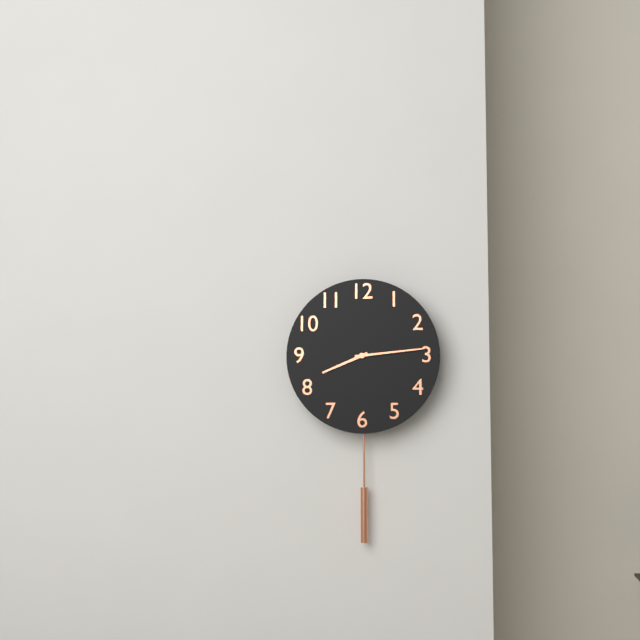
8:14
